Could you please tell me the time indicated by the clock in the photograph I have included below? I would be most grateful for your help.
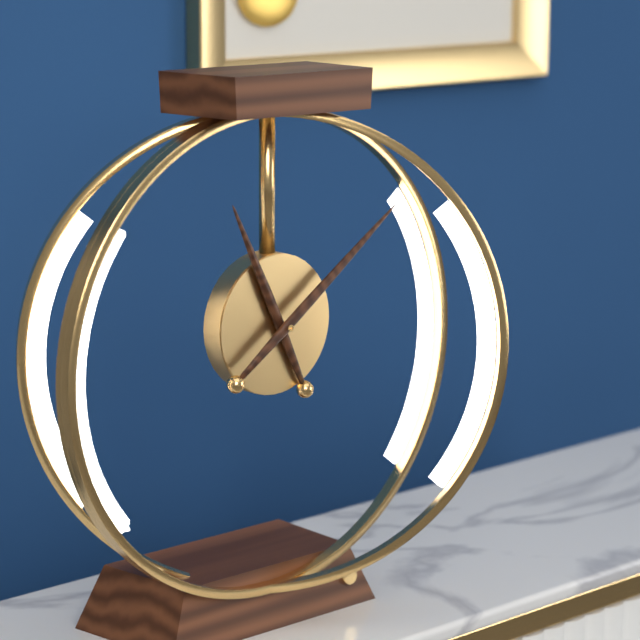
11:09
